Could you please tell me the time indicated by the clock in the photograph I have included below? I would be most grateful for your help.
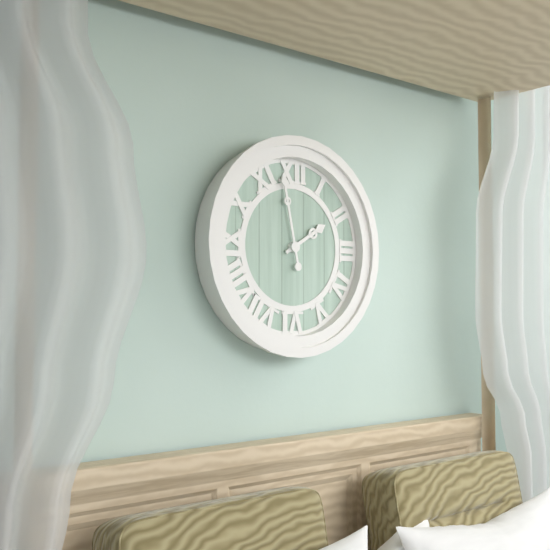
1:58
